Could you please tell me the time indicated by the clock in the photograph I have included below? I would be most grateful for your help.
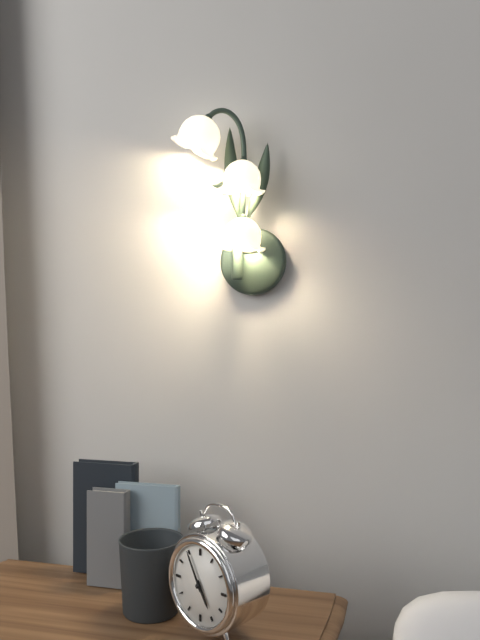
4:55
